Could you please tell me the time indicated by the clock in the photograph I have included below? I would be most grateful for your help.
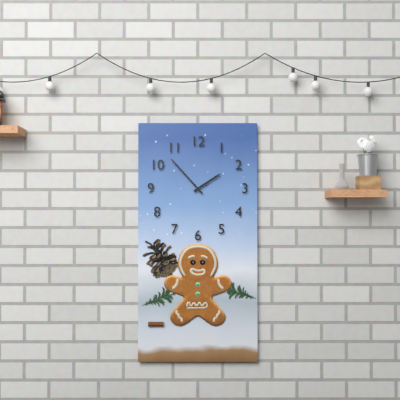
1:53
